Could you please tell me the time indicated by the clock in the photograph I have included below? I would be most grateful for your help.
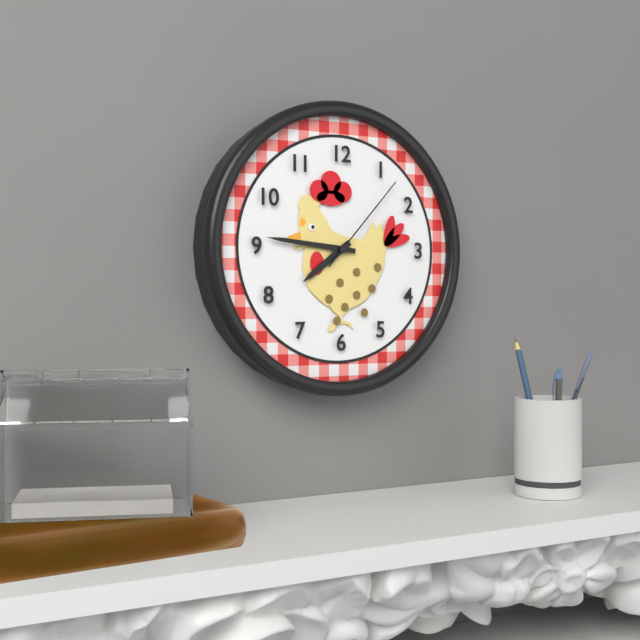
7:46:07
